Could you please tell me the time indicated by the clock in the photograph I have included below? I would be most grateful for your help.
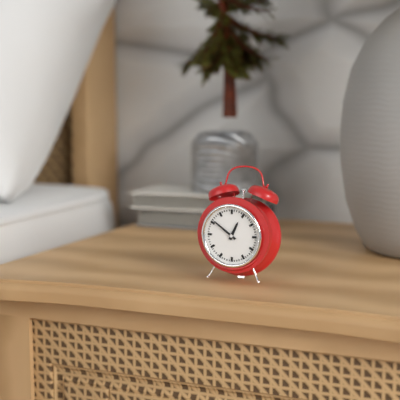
12:51
